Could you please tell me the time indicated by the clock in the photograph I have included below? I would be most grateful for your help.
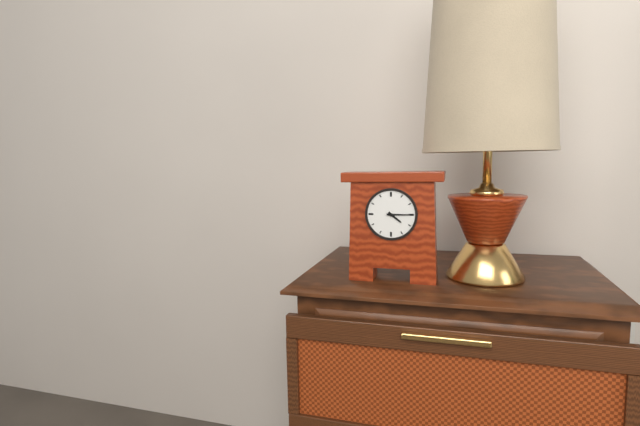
4:15
